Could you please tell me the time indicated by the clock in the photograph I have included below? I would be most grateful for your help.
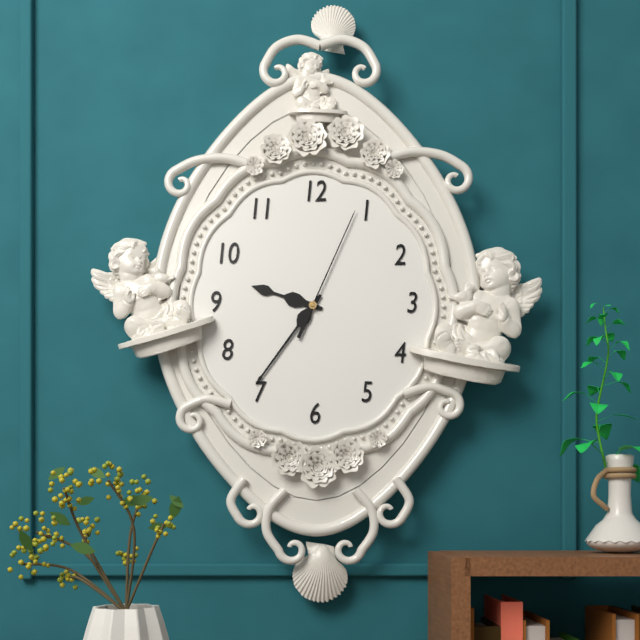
9:36:04
